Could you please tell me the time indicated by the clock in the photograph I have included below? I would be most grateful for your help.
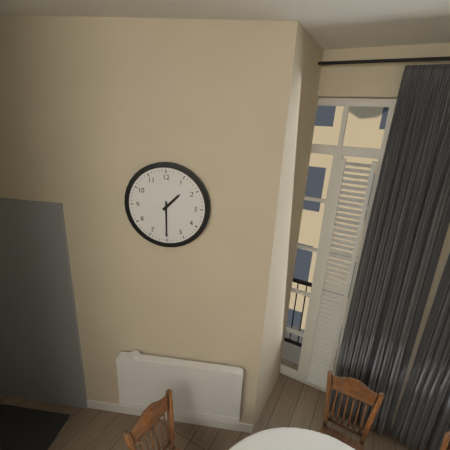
1:30
